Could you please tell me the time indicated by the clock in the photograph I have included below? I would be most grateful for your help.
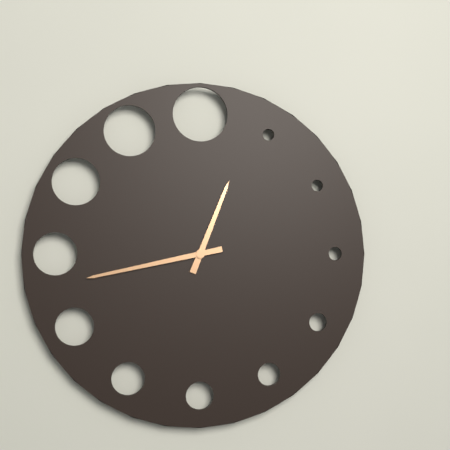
12:43
